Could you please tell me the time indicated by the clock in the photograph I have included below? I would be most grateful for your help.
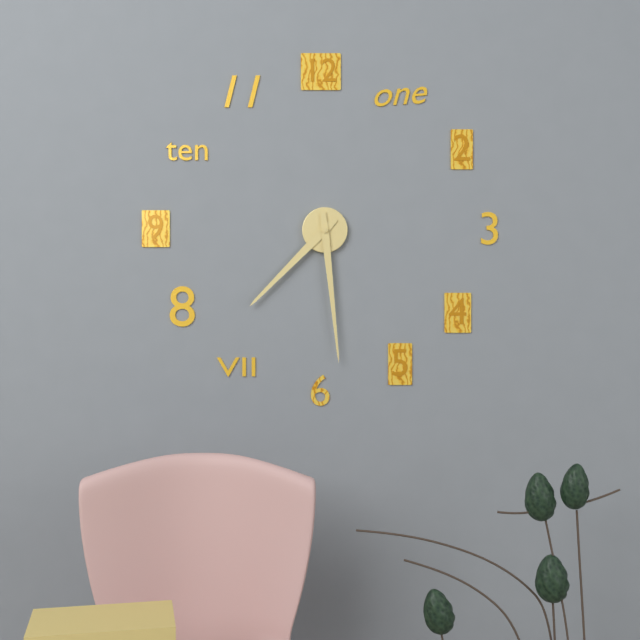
7:29
